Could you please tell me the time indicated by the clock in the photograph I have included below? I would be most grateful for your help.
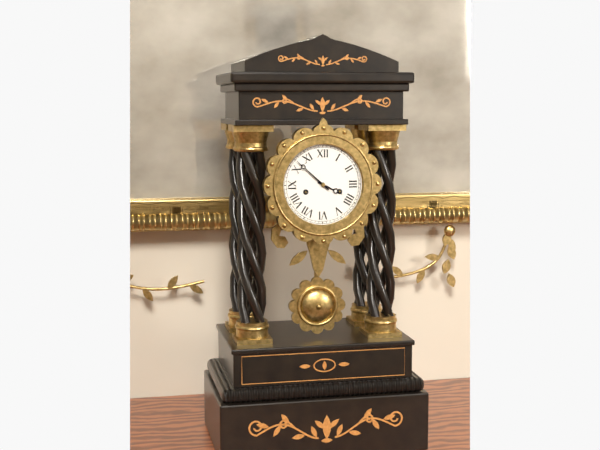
3:52
